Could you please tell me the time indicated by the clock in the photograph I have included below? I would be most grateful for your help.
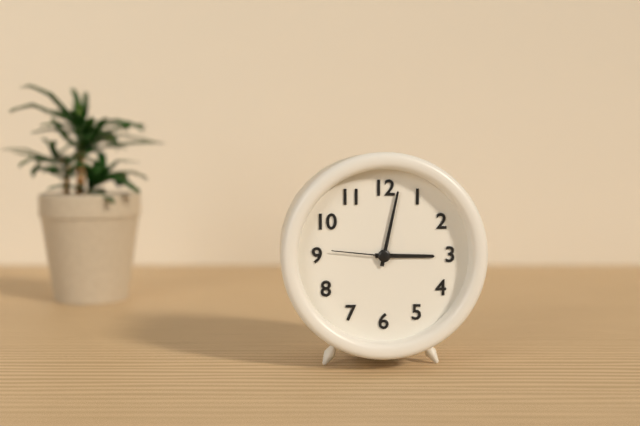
3:02:46
